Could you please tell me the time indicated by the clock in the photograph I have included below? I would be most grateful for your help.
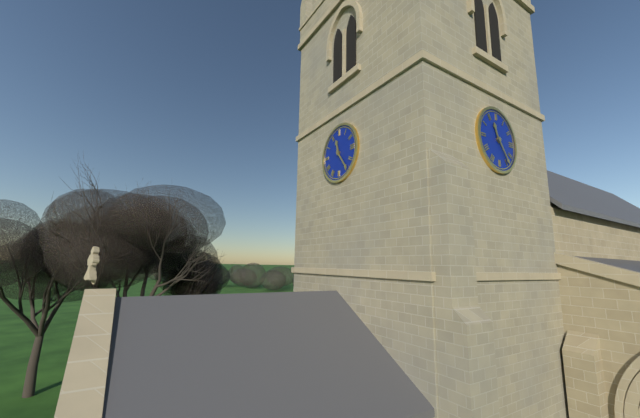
11:24
